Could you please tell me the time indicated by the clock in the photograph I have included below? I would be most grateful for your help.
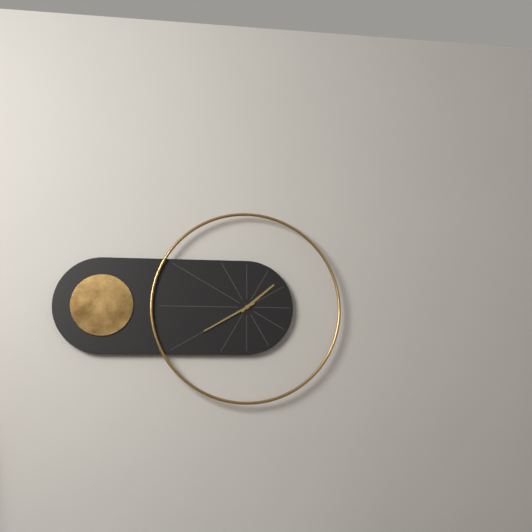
1:40
